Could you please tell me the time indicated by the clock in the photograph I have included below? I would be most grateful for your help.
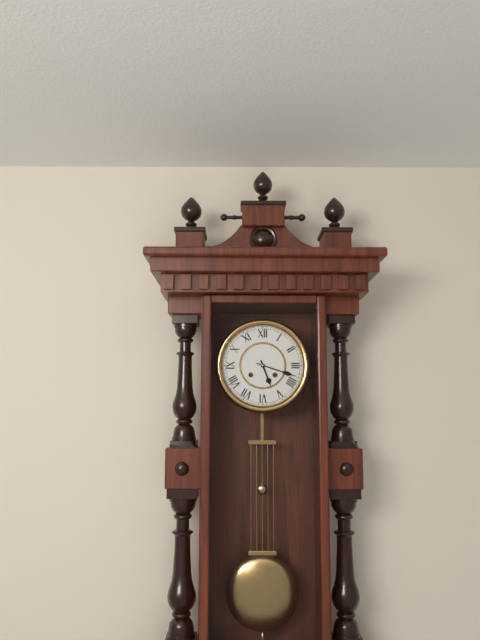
5:18
